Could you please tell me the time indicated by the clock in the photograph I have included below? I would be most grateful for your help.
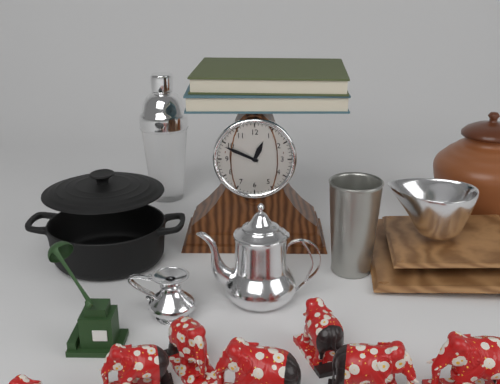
12:49
